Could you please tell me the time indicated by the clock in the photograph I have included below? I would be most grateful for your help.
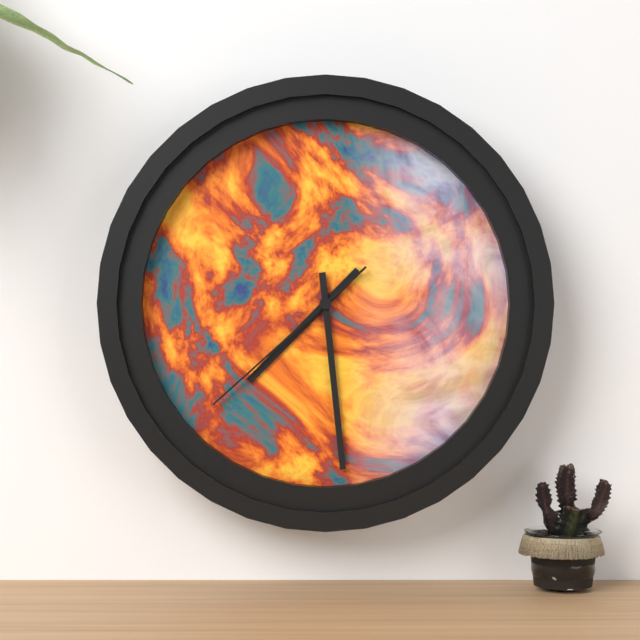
7:29:38
